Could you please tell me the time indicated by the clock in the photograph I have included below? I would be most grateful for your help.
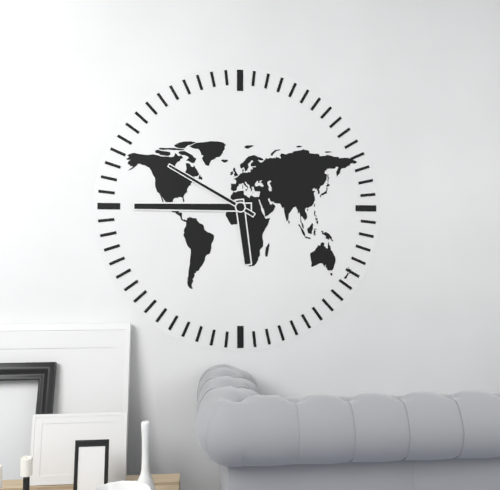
5:45:50
